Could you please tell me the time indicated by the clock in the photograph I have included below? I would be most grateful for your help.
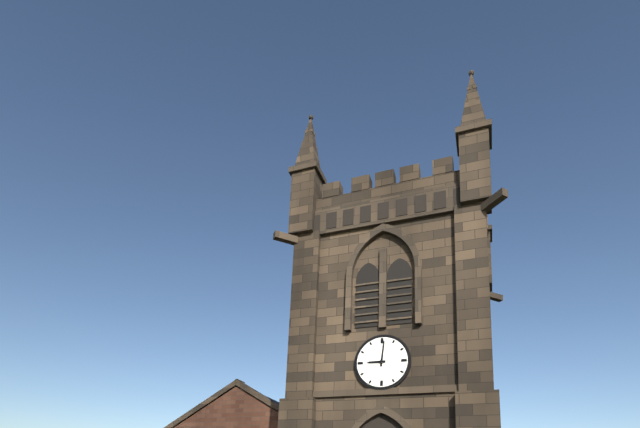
9:01
